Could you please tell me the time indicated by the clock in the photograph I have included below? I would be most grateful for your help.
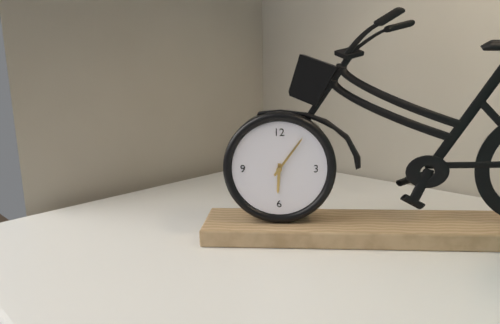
6:06
